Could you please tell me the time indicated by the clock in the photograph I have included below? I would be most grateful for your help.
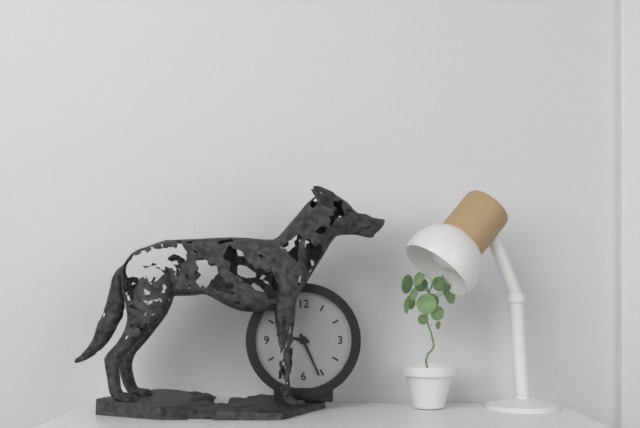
9:26
